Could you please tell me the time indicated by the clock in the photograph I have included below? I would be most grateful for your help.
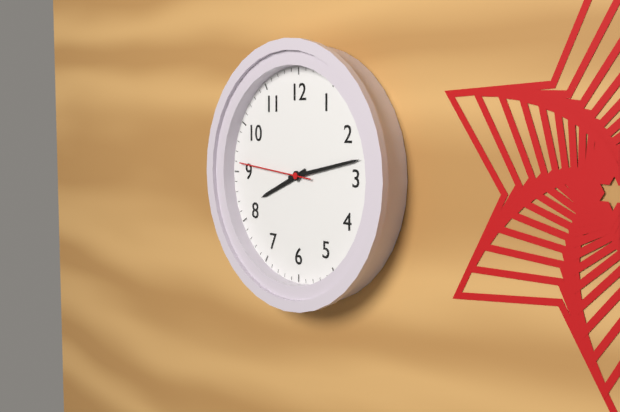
8:13:46
